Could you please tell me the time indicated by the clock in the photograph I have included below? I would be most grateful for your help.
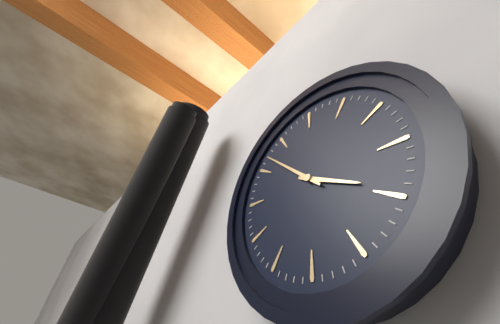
3:52
